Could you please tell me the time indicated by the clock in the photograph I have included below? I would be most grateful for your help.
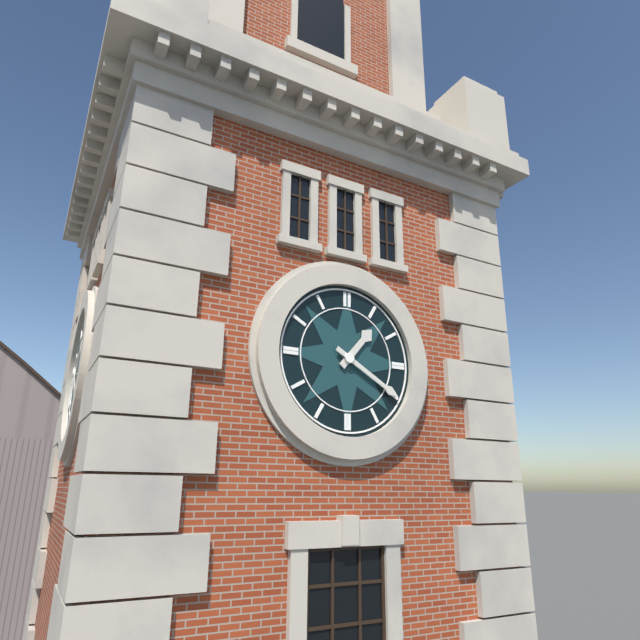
1:20
